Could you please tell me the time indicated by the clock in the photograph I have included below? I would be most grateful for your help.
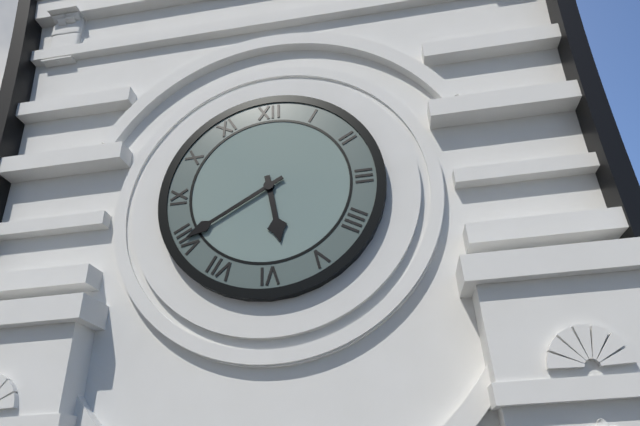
5:40
